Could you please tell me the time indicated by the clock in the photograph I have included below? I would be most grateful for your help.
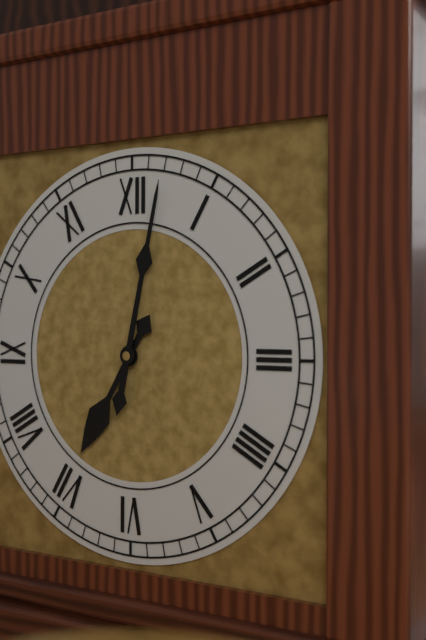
7:02
